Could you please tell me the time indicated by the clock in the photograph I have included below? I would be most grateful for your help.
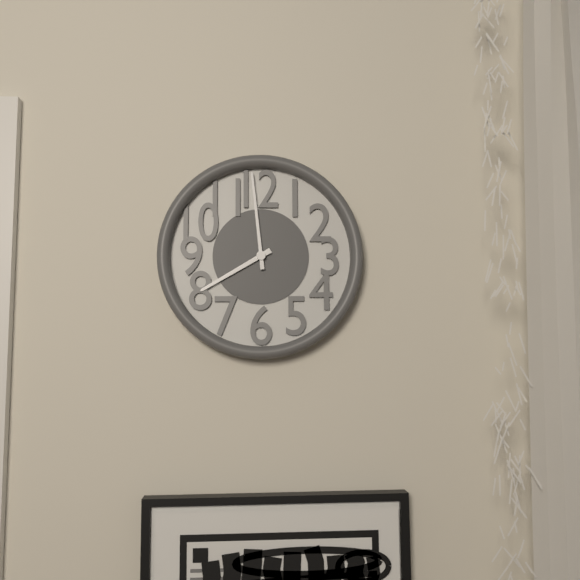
7:59
